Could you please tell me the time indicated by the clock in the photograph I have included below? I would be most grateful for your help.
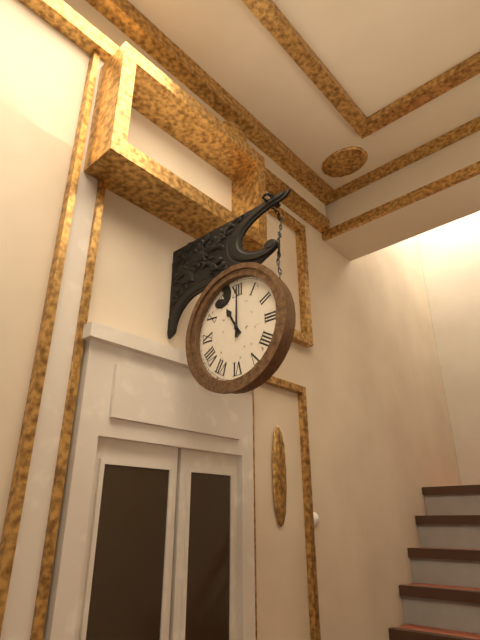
11:00
